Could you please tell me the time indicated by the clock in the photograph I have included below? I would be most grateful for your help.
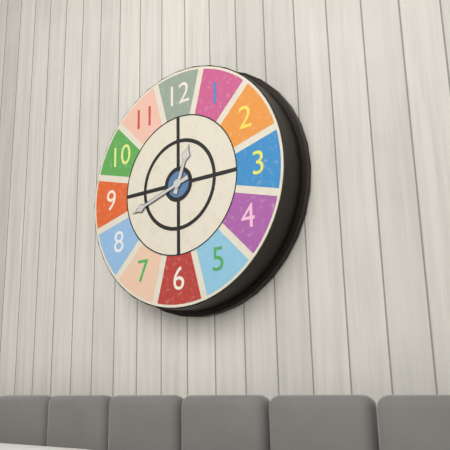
12:42
